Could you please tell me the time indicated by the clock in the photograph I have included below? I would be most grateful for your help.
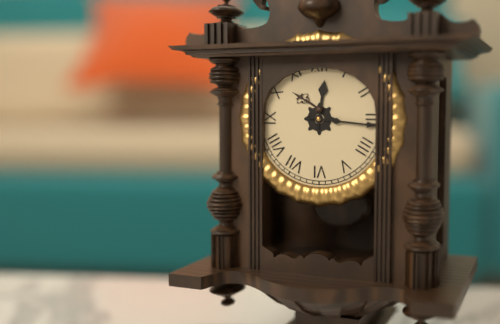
12:16
